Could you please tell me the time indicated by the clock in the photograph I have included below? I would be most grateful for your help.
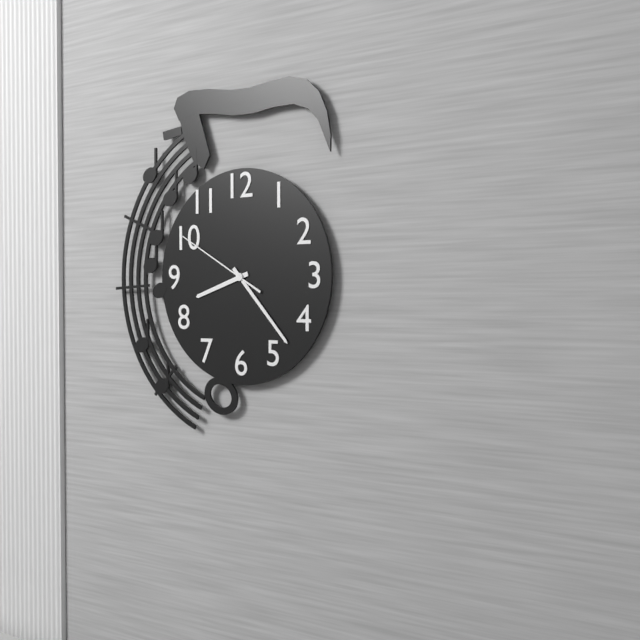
8:23:50
